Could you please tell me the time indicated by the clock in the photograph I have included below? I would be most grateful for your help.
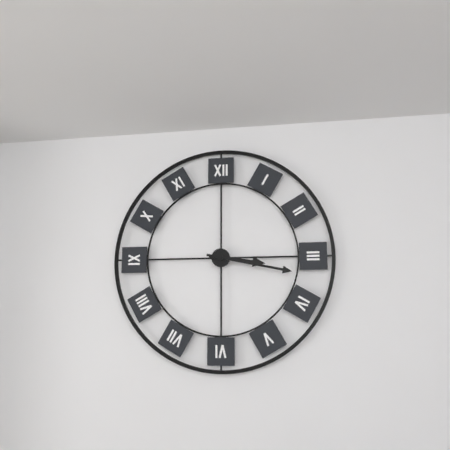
3:17
